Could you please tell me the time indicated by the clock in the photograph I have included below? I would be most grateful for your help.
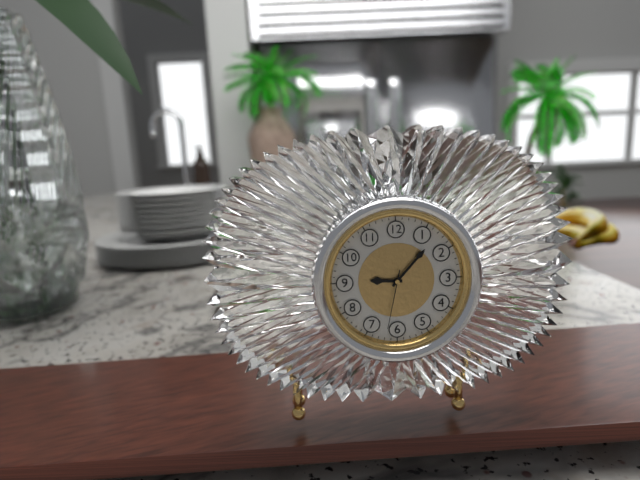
9:07:32
